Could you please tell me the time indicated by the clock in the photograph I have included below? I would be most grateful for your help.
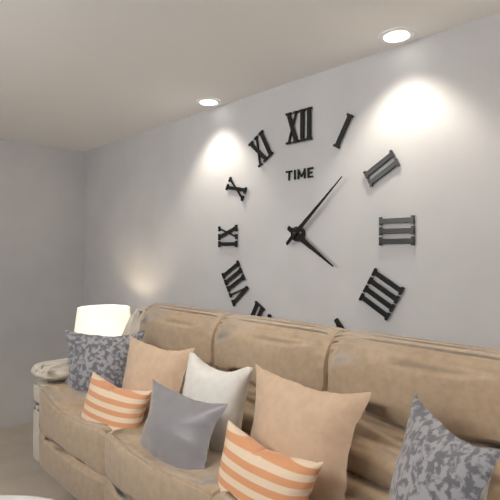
4:08
